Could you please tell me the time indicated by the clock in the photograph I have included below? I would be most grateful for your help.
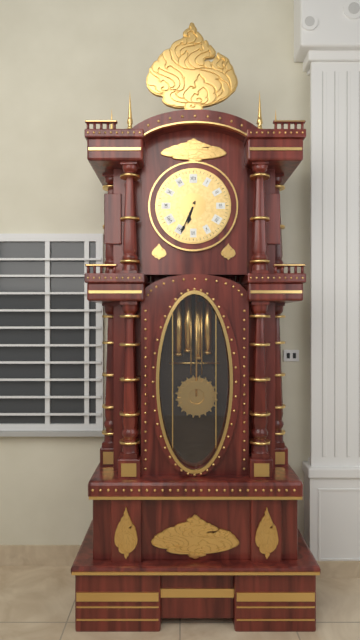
6:34
